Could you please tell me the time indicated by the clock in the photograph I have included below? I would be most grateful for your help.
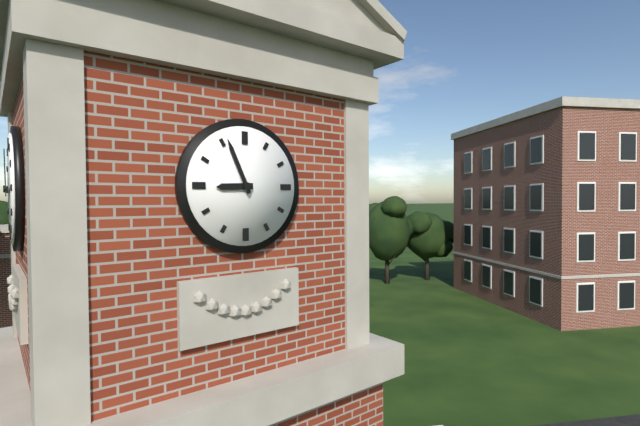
8:56
